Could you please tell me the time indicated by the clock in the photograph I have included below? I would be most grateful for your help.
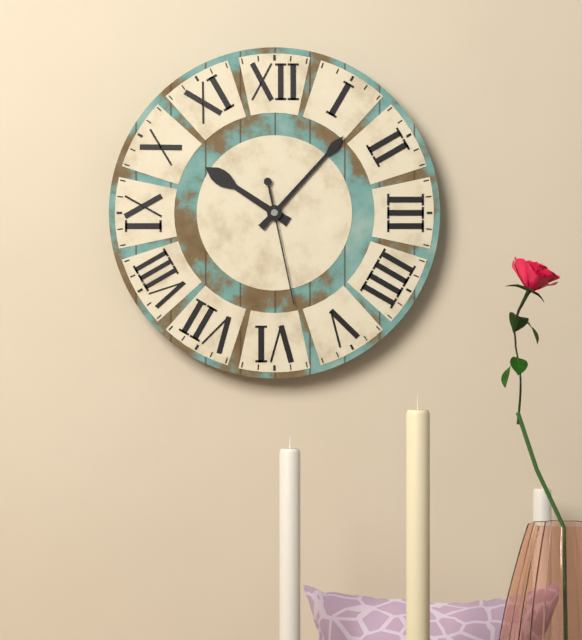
10:07:28
